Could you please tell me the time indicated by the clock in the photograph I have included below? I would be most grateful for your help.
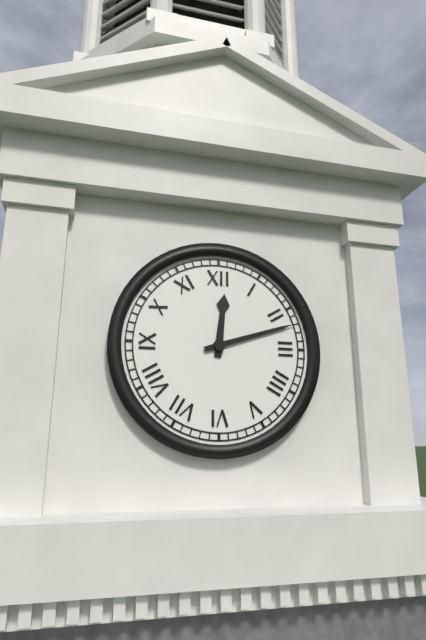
12:12
